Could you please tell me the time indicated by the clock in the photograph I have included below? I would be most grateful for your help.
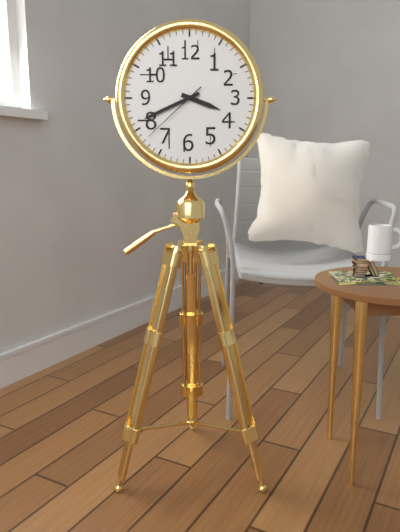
3:41:38
